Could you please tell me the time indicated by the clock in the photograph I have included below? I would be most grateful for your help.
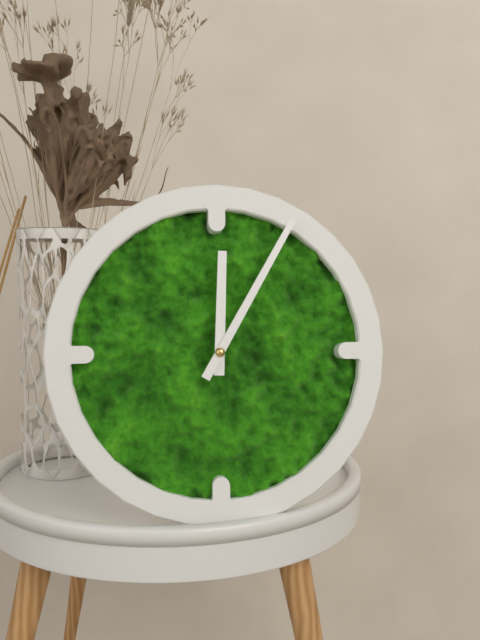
12:05
